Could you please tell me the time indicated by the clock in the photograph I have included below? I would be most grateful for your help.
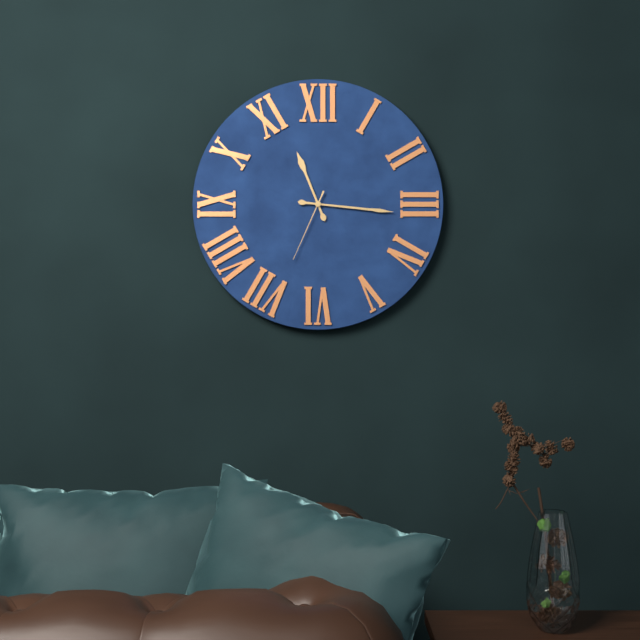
11:16:34
